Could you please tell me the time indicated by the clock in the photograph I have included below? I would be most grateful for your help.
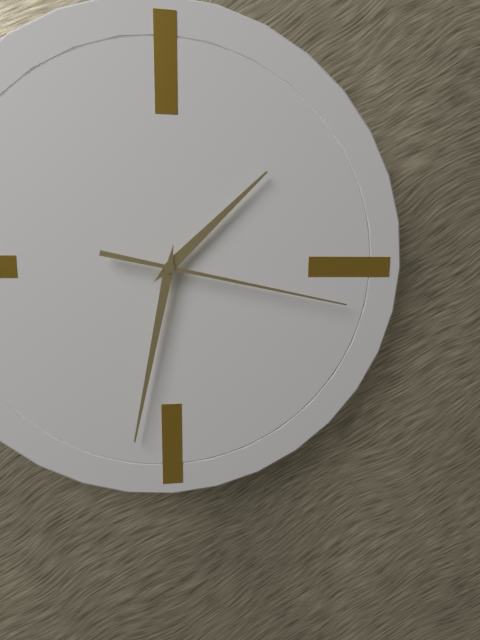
1:32:17
